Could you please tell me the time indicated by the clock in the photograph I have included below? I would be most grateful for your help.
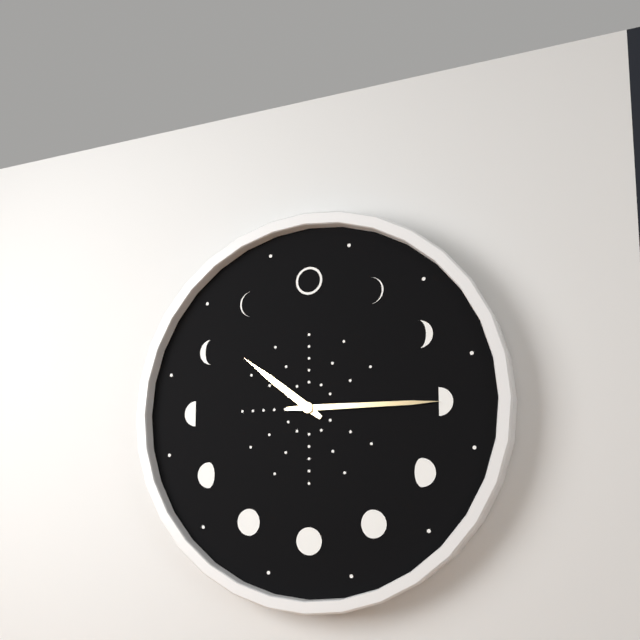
10:15
